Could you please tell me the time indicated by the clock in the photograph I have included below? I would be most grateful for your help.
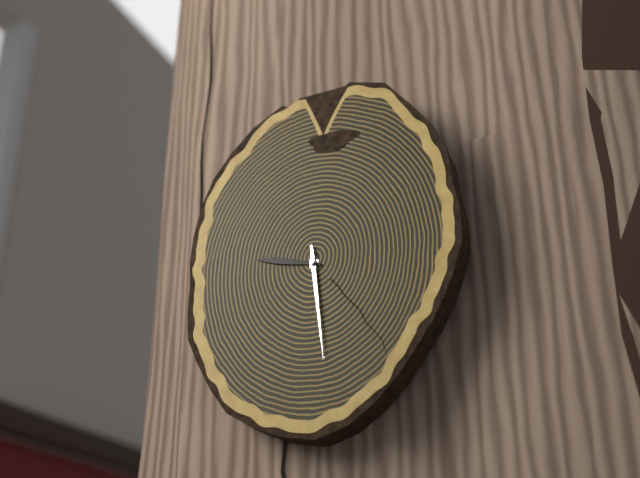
9:29
